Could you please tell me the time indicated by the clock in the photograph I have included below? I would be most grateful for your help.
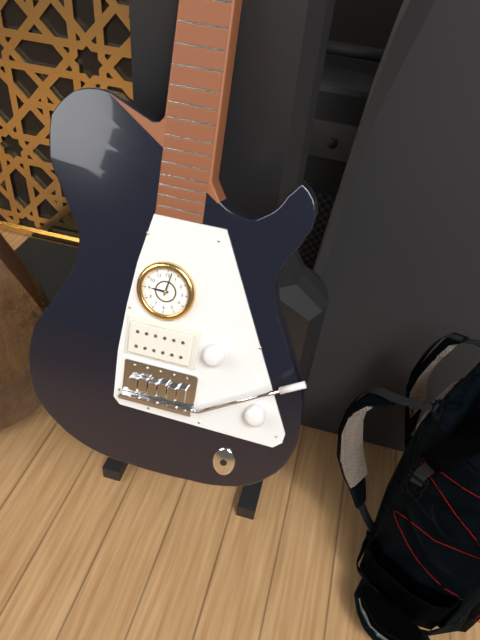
9:02
